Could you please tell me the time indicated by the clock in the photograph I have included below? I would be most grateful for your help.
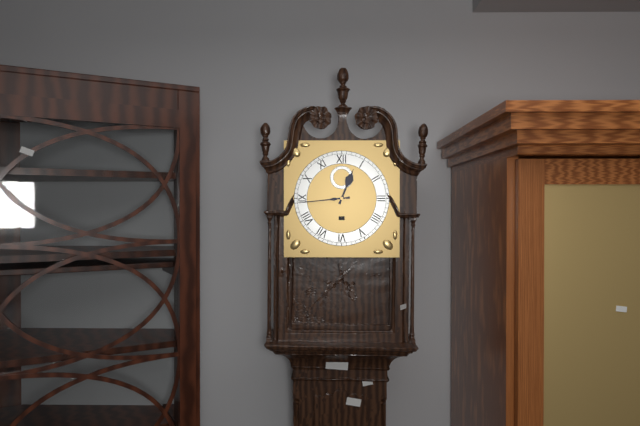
12:44
